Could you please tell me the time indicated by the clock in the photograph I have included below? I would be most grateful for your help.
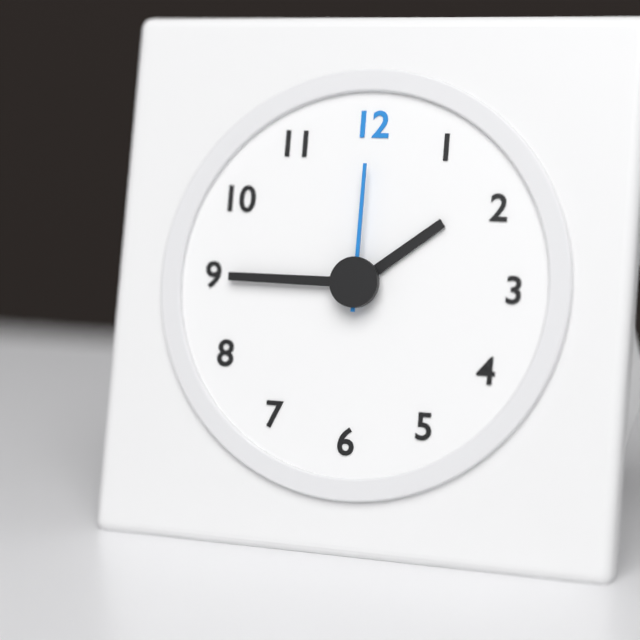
1:45:00
